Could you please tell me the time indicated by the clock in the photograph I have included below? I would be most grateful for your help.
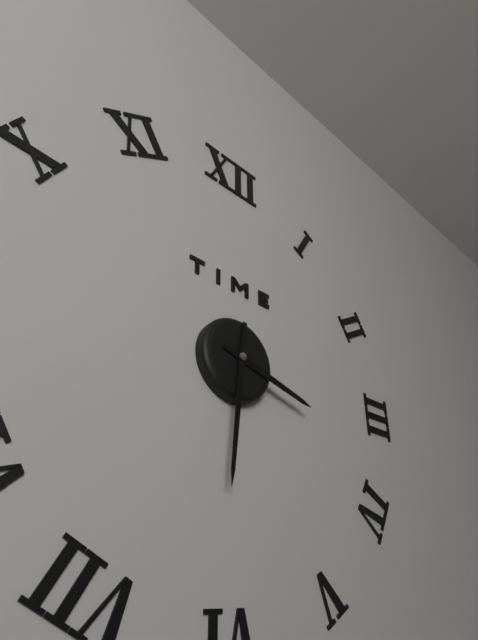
3:31
